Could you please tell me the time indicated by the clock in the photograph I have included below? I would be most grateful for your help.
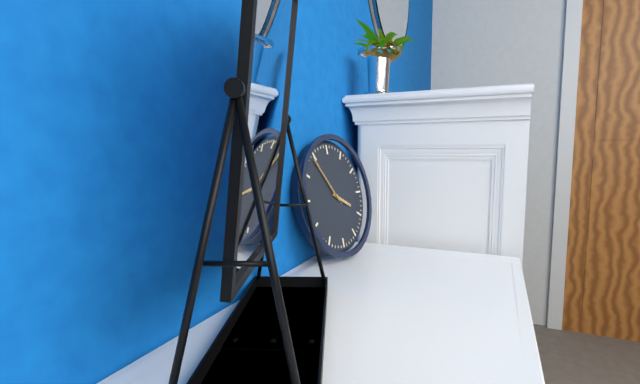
3:54:54
